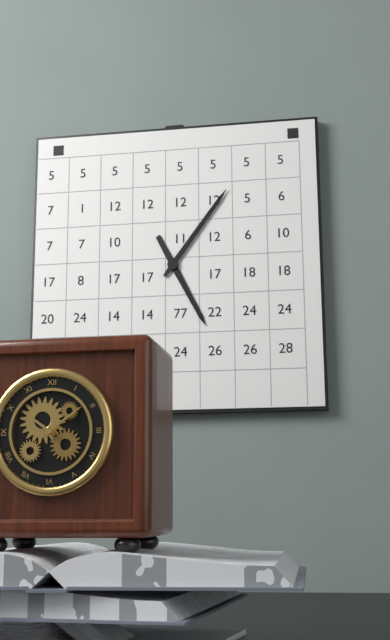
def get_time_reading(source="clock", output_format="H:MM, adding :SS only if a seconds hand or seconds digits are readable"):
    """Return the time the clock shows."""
5:06
